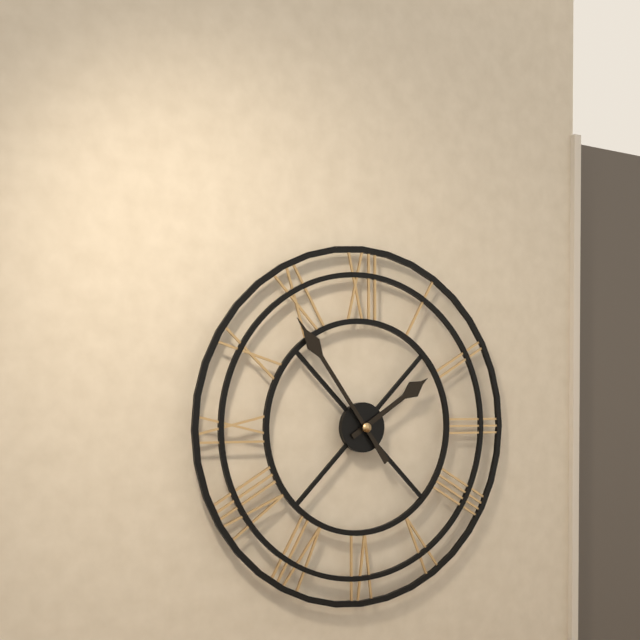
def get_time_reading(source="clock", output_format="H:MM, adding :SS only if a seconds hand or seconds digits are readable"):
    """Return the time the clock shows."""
1:54
